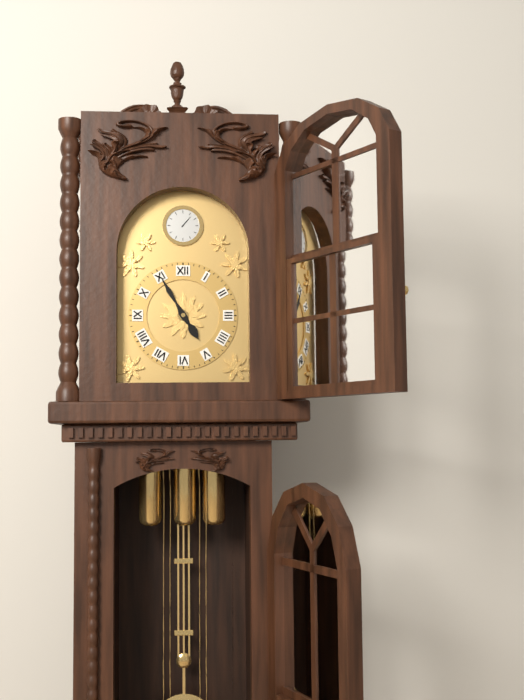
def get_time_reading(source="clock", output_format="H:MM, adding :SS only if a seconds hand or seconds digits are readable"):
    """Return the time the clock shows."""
4:55
